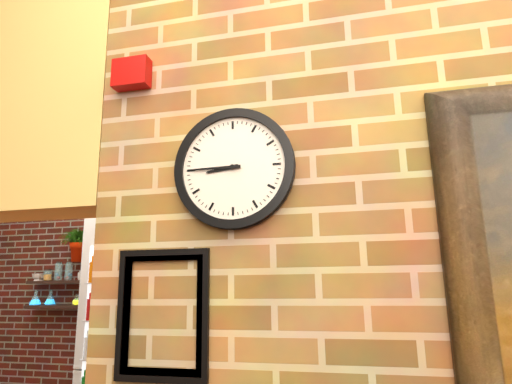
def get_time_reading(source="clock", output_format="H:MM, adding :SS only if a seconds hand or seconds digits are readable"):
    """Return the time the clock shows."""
8:45
